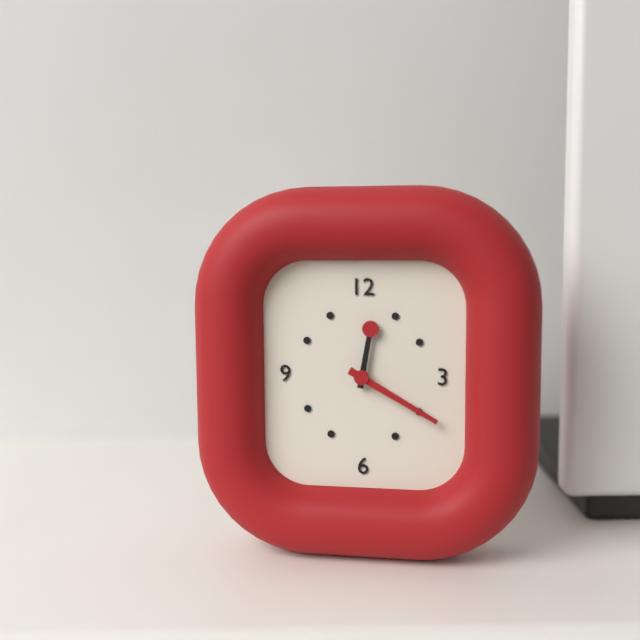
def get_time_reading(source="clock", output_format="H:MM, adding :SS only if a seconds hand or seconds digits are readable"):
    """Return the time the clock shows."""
12:20
